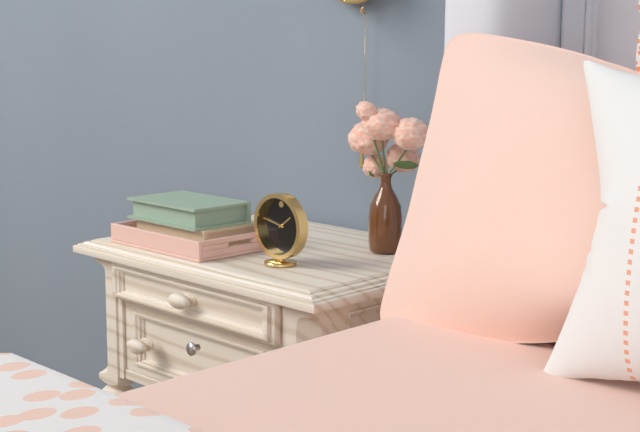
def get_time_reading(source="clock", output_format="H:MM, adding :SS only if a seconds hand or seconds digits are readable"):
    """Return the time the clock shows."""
1:47
